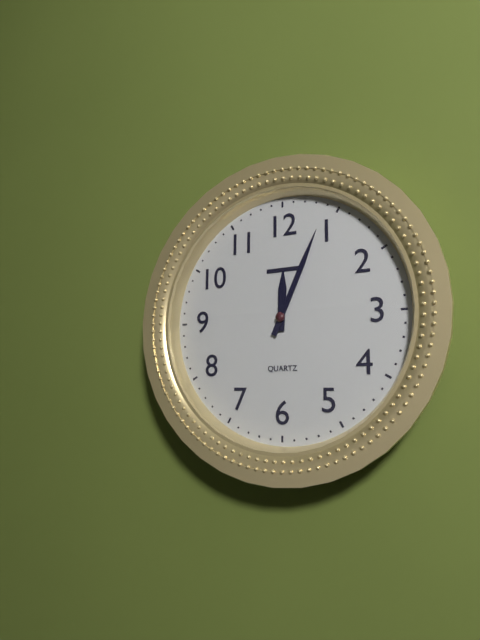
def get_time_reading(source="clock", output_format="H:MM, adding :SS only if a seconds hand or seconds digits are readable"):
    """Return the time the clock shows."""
12:04
